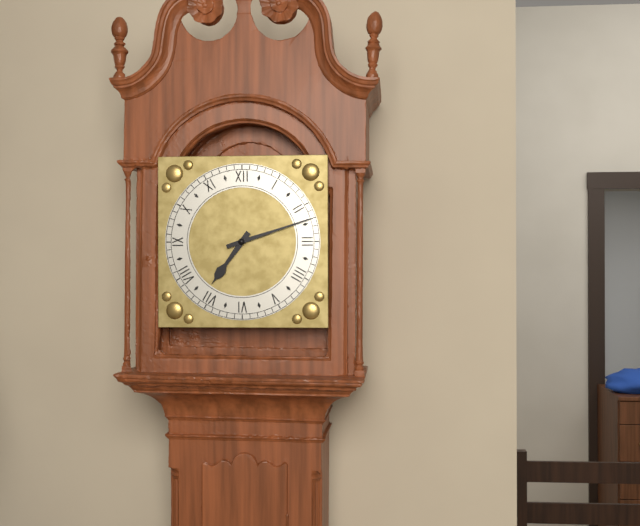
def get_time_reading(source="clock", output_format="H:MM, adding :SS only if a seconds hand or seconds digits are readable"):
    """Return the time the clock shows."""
7:12
